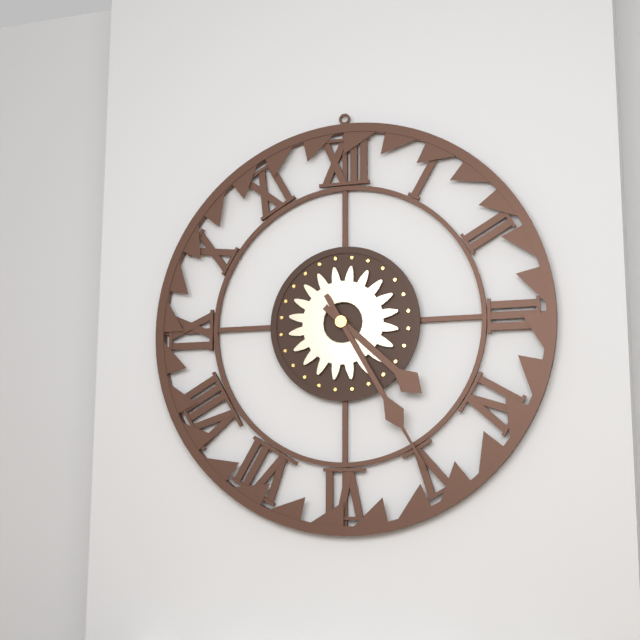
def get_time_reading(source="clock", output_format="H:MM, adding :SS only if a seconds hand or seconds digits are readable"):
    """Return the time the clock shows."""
4:25
